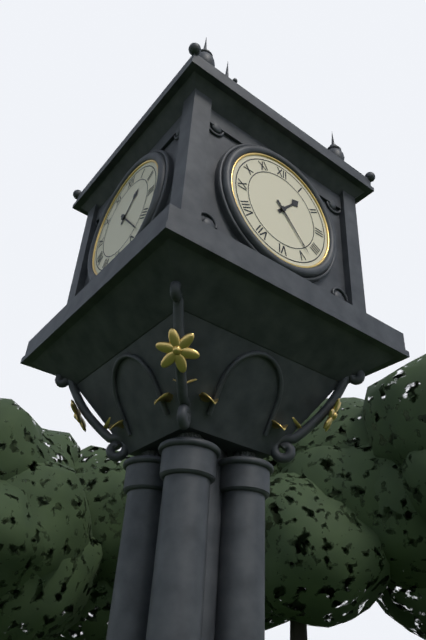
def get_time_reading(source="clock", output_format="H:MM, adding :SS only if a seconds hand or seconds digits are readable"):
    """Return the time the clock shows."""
1:23
